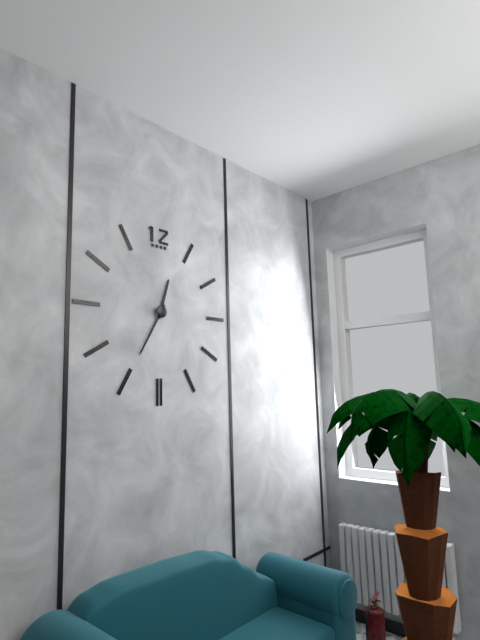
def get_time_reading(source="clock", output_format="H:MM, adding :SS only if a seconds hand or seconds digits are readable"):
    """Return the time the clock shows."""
12:35
